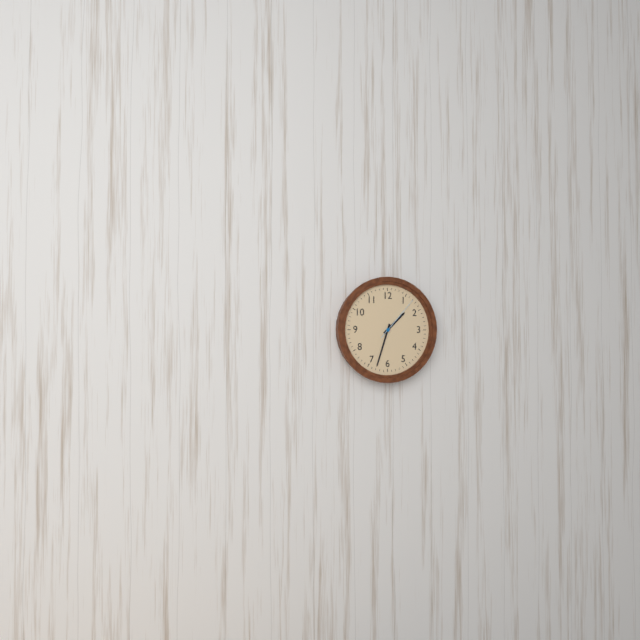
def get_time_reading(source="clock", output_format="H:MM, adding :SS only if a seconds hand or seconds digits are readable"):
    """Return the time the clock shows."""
1:33
